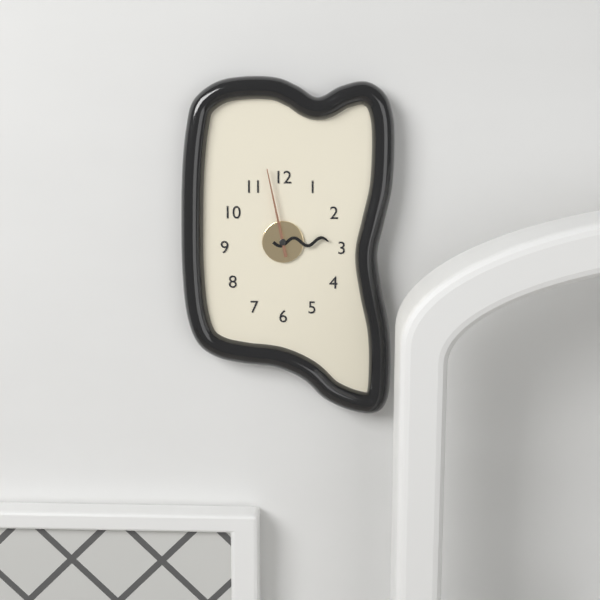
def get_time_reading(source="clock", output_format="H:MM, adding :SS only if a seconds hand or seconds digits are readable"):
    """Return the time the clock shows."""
2:58
